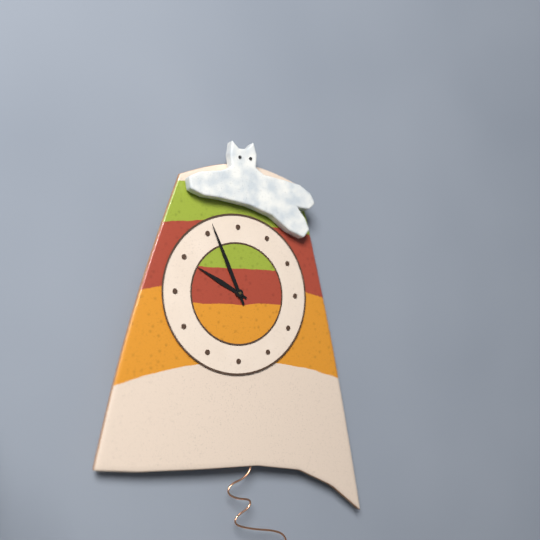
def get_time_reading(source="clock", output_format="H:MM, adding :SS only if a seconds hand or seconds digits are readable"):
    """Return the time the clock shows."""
9:56
